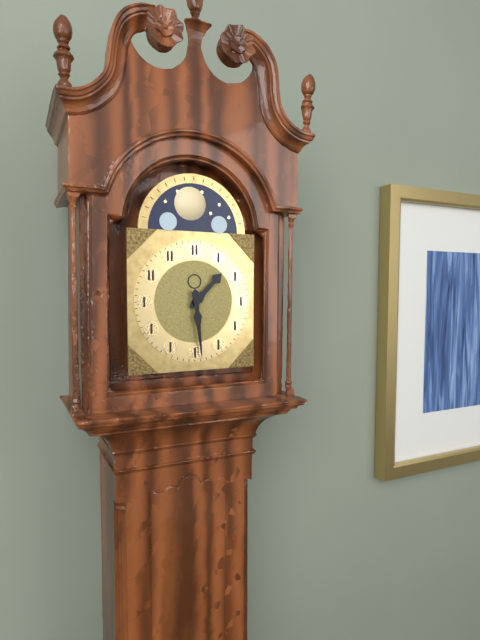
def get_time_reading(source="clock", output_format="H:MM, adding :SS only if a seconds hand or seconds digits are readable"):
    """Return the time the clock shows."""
1:29
